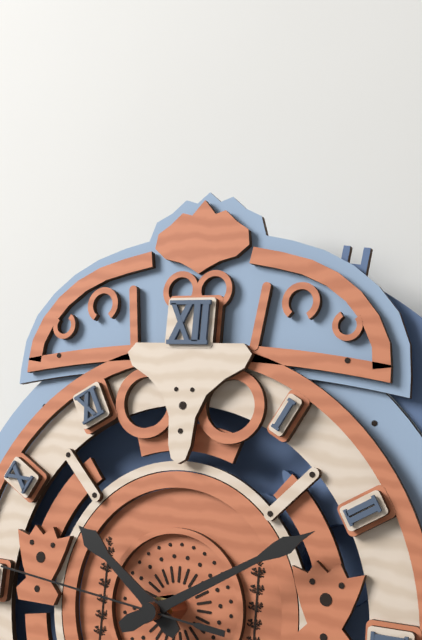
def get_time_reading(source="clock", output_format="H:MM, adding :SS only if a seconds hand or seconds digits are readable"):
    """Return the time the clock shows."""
10:10:46
